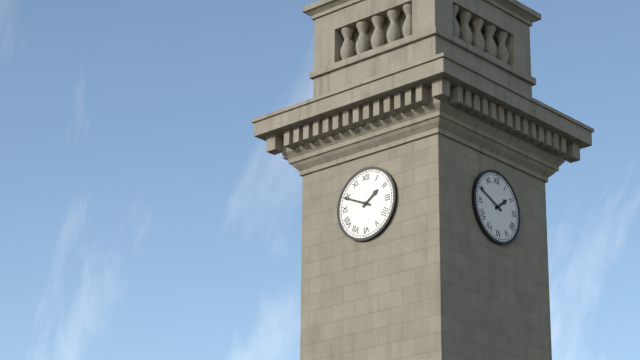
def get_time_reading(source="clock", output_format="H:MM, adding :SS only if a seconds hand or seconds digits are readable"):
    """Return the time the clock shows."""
1:49
